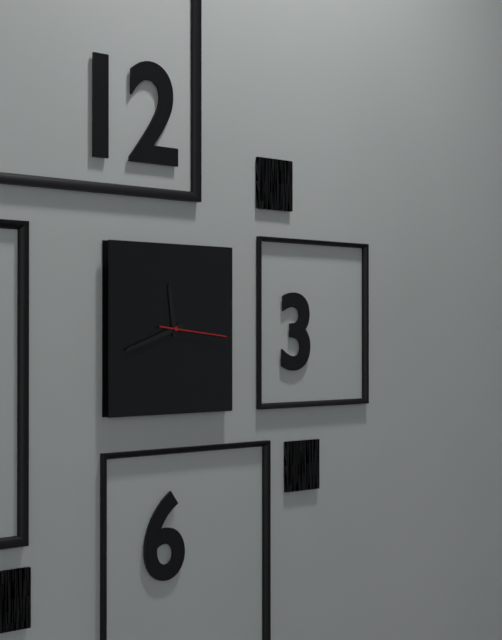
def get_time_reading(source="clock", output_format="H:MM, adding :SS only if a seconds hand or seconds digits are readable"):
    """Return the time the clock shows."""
11:42:16
